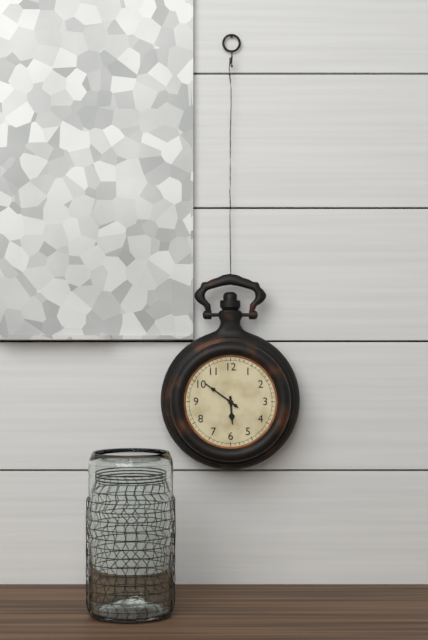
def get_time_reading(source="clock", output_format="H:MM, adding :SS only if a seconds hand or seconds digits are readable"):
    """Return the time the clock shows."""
5:51
